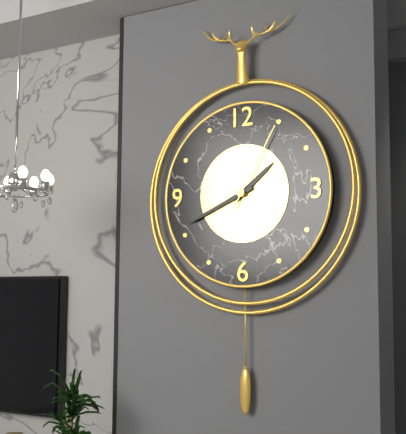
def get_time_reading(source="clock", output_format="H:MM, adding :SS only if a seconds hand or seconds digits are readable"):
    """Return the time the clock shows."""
1:41:05
